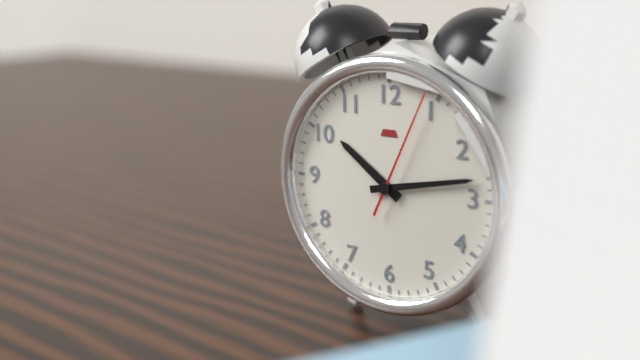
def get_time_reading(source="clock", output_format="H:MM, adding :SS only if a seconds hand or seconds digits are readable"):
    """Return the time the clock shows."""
10:13:04
